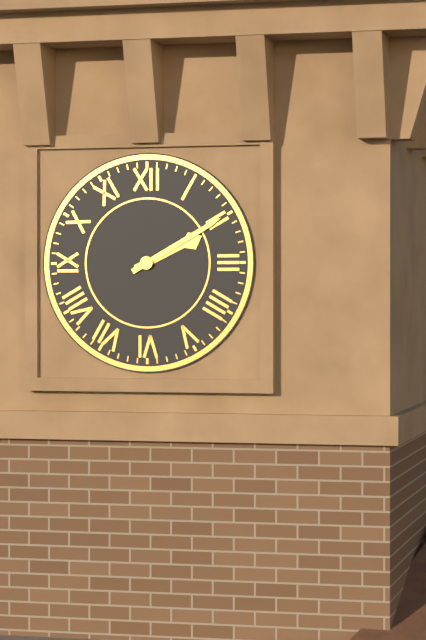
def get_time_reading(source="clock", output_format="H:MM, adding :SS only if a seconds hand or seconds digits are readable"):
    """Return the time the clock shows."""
2:10
